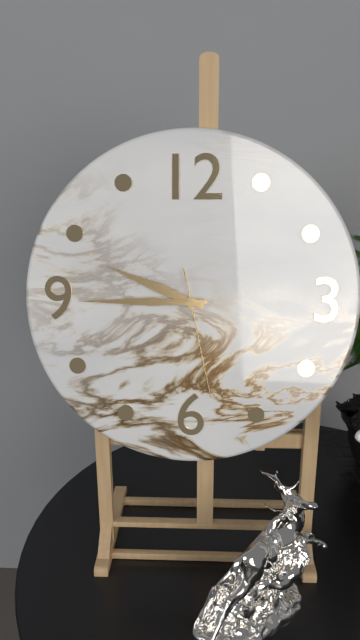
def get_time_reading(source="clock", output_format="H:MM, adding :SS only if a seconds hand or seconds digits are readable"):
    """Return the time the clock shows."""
9:45:28
